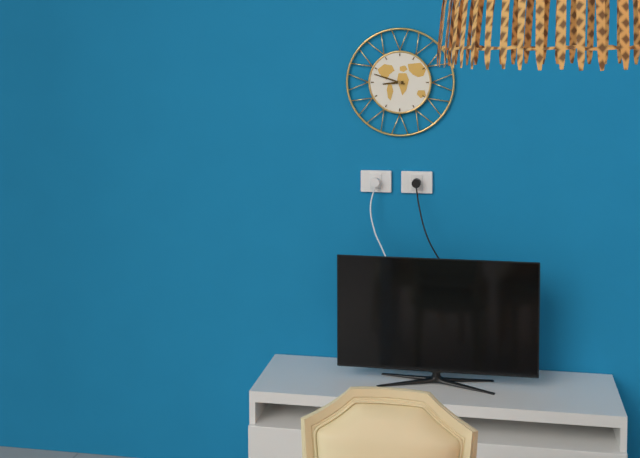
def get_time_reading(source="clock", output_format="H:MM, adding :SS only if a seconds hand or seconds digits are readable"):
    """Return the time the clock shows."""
8:48
